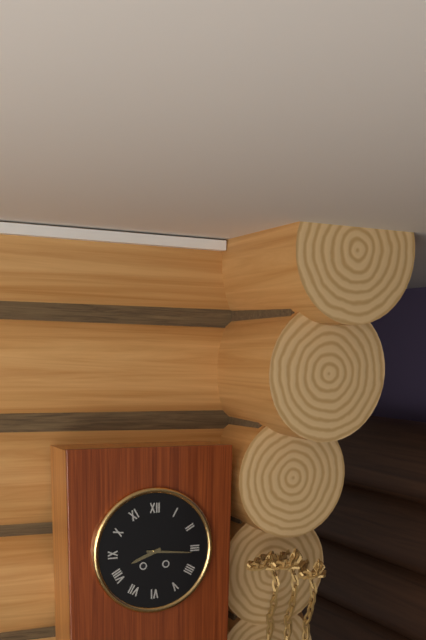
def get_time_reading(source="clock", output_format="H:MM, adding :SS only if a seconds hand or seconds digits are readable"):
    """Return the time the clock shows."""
8:16
